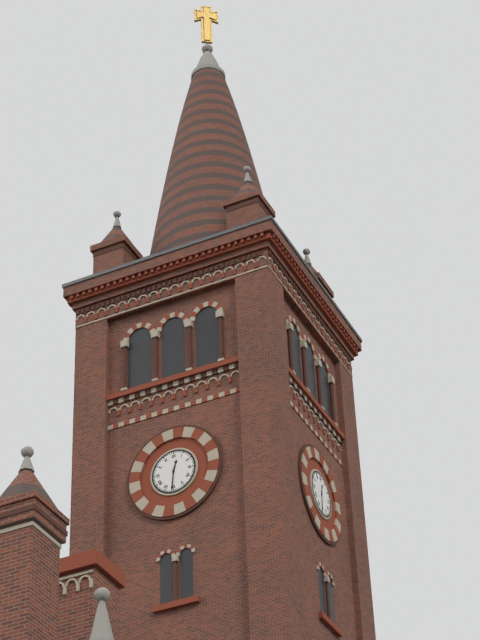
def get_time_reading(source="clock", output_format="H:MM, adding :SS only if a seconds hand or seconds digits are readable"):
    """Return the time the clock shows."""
12:31
